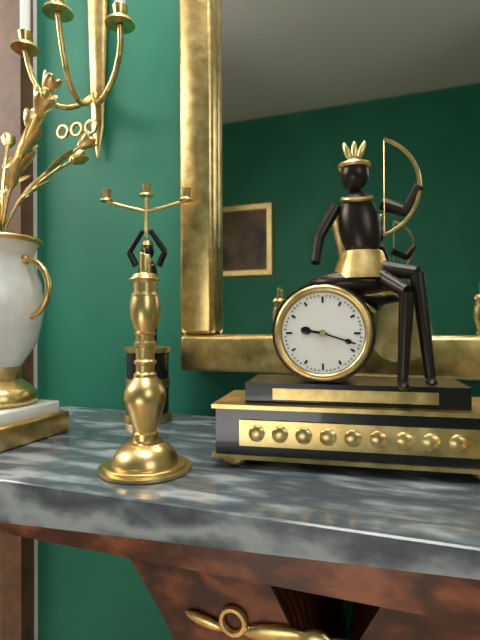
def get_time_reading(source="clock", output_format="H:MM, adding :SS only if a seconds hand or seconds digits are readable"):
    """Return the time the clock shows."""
9:18
